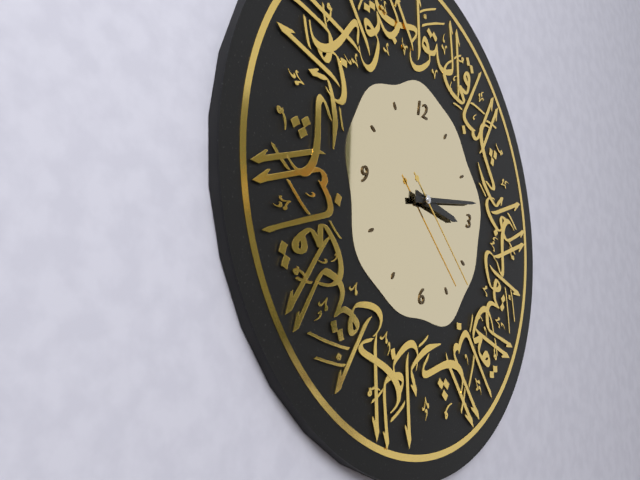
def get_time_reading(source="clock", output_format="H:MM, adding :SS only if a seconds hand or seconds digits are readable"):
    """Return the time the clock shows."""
3:13:22
